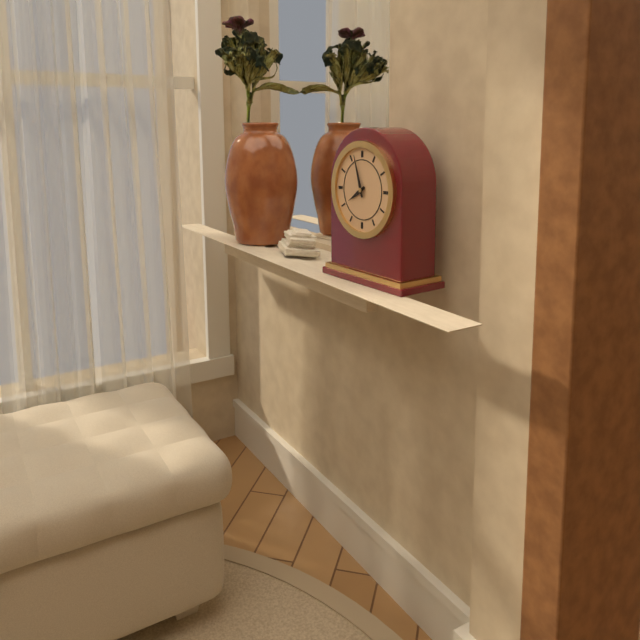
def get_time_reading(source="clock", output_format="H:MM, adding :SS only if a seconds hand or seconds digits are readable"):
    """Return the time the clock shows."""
7:57
